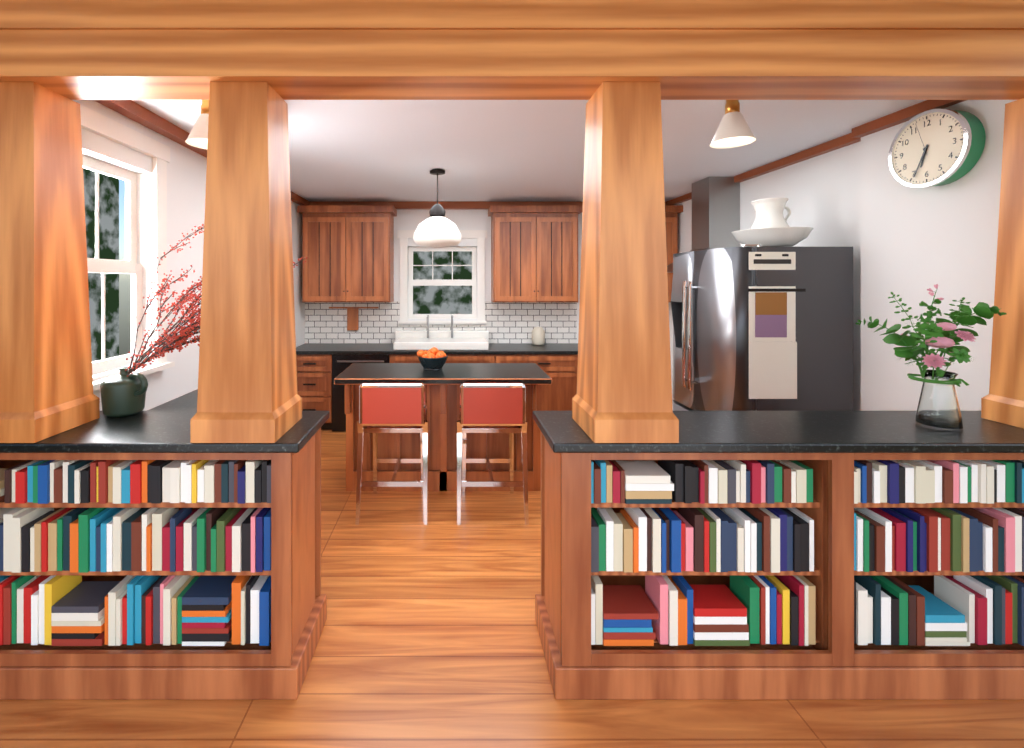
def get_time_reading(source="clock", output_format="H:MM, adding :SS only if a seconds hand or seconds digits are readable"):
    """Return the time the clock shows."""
6:34
